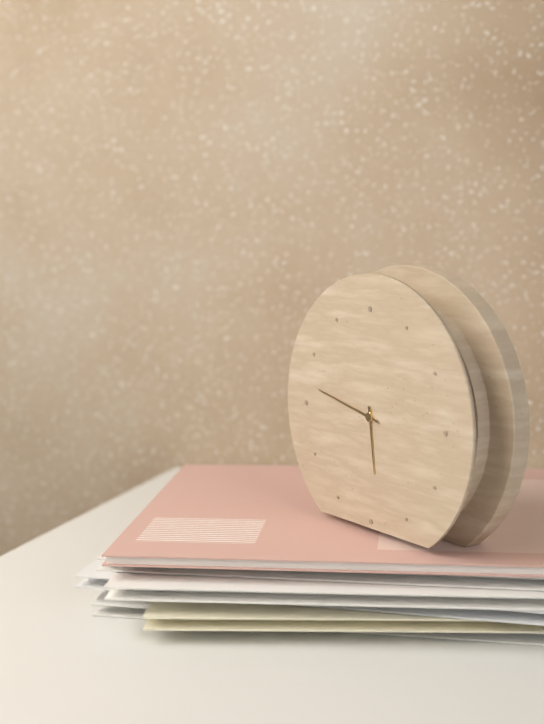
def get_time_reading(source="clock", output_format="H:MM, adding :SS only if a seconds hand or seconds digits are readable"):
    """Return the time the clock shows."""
5:47
